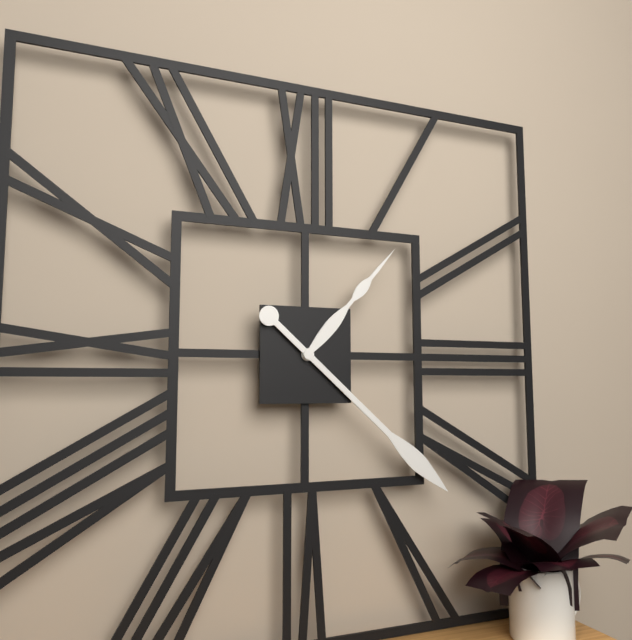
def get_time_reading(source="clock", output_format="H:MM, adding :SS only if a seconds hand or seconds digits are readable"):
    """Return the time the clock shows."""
1:22
